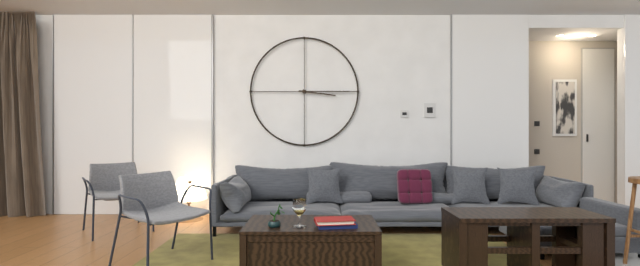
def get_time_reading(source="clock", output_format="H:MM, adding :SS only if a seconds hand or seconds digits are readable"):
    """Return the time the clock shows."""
3:15
